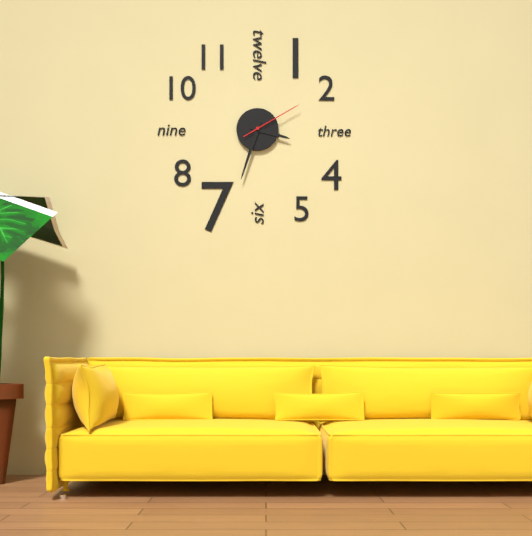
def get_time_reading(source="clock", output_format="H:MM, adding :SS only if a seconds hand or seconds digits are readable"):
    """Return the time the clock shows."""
3:33:10
